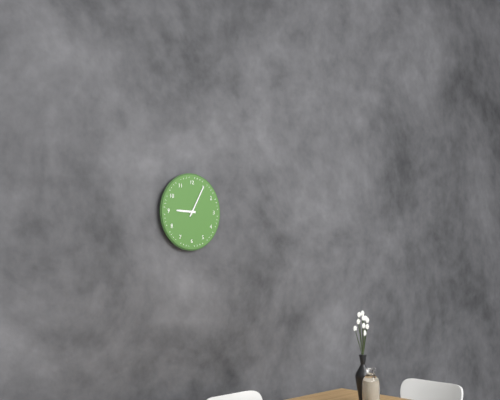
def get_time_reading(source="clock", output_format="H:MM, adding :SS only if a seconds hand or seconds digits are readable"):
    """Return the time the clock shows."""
9:05
